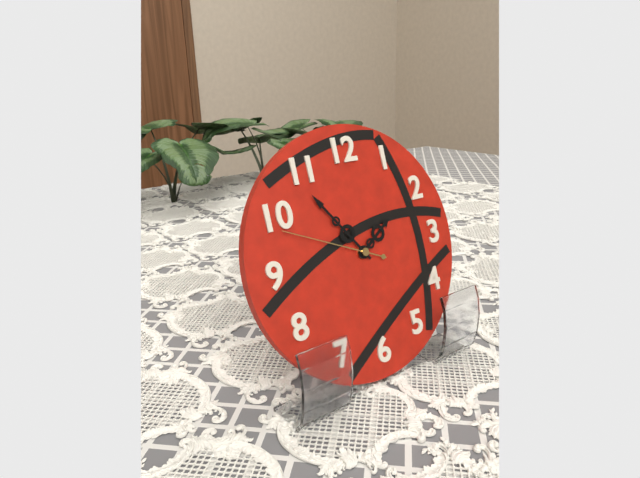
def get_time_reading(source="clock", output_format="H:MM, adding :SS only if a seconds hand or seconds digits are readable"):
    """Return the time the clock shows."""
1:54:49
